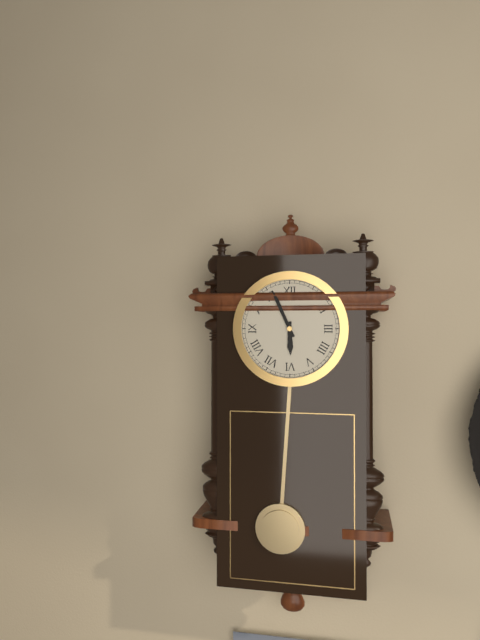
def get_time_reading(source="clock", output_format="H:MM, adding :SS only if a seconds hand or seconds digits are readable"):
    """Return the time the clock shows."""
5:56
